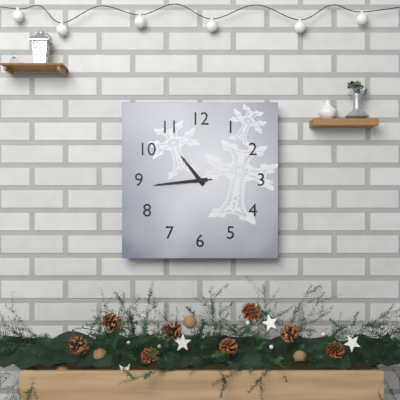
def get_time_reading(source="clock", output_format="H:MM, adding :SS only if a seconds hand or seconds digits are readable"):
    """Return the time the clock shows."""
10:44:44
